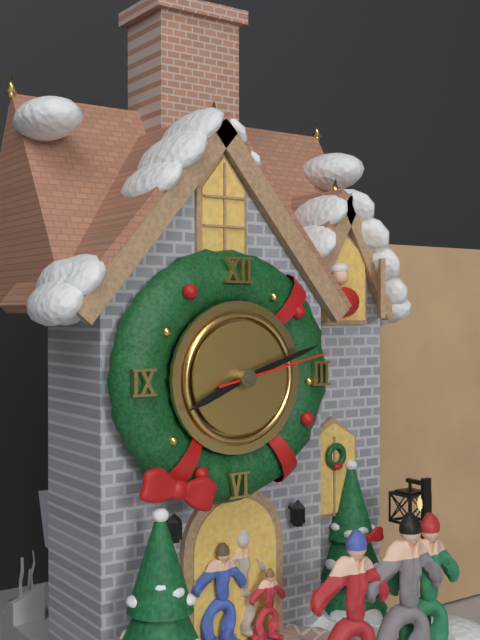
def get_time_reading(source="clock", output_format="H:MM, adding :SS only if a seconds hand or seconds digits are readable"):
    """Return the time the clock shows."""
8:12:13
